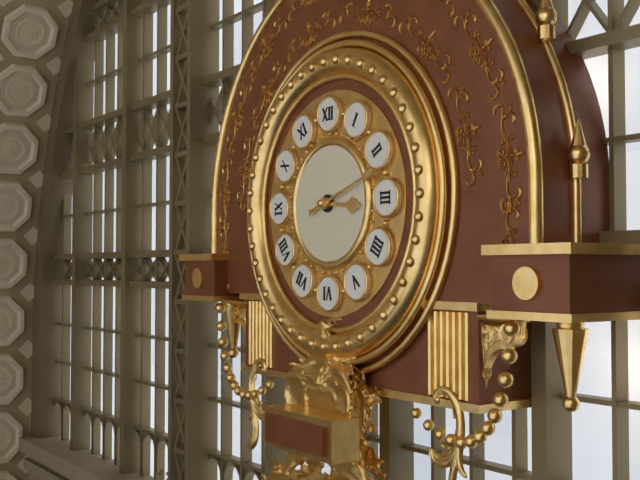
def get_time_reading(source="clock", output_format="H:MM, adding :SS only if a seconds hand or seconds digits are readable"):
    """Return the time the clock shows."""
3:12
